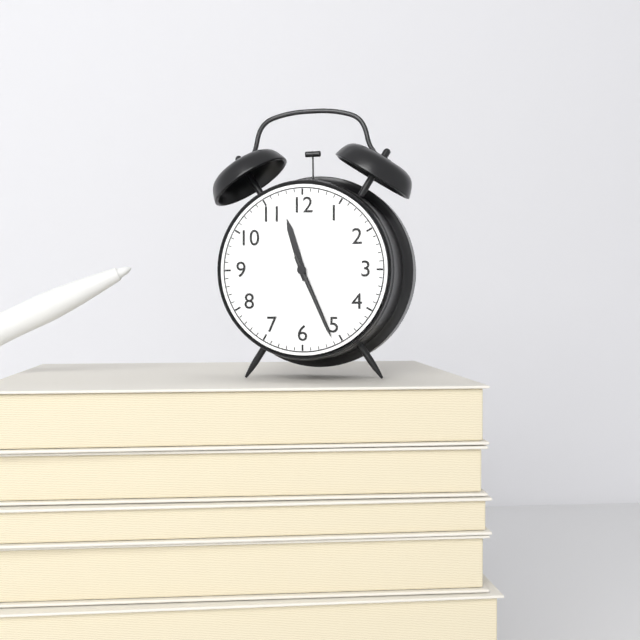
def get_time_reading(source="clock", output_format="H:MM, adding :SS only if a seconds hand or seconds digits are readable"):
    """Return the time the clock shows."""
11:26:26
